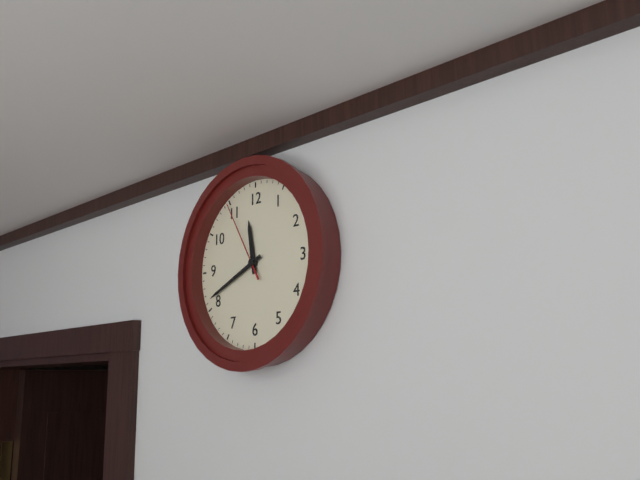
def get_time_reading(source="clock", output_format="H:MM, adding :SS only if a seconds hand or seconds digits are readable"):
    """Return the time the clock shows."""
11:41:55
